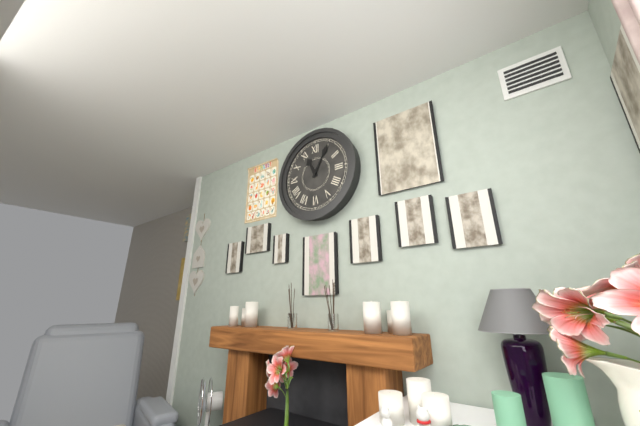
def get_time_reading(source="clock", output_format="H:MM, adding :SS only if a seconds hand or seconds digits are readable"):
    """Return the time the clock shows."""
11:05
